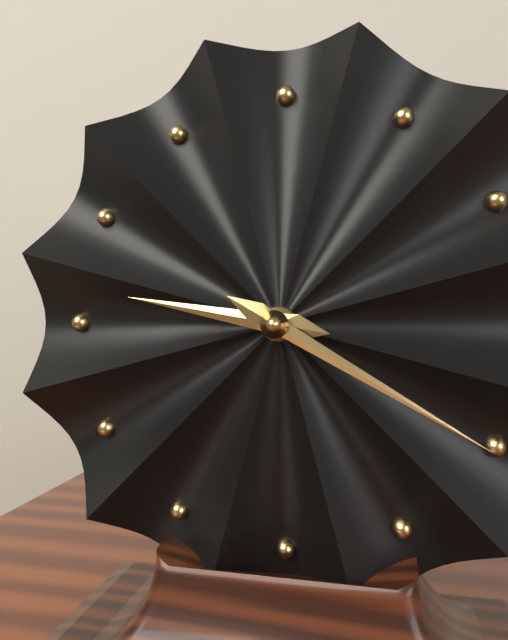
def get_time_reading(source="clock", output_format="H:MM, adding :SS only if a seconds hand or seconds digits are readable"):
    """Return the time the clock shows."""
9:20
